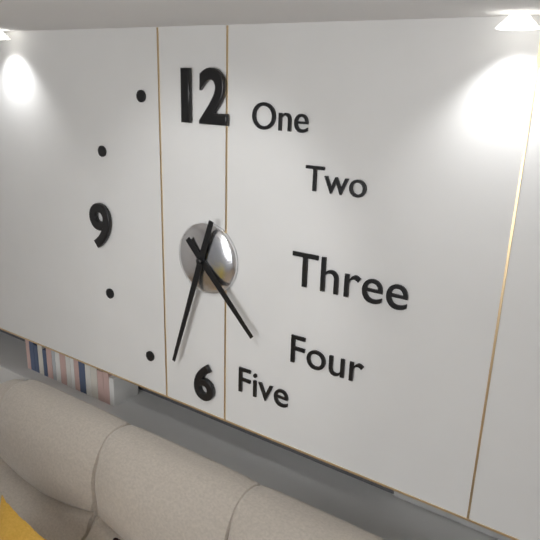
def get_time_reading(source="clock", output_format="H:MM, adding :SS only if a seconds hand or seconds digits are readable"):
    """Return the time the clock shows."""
4:33
